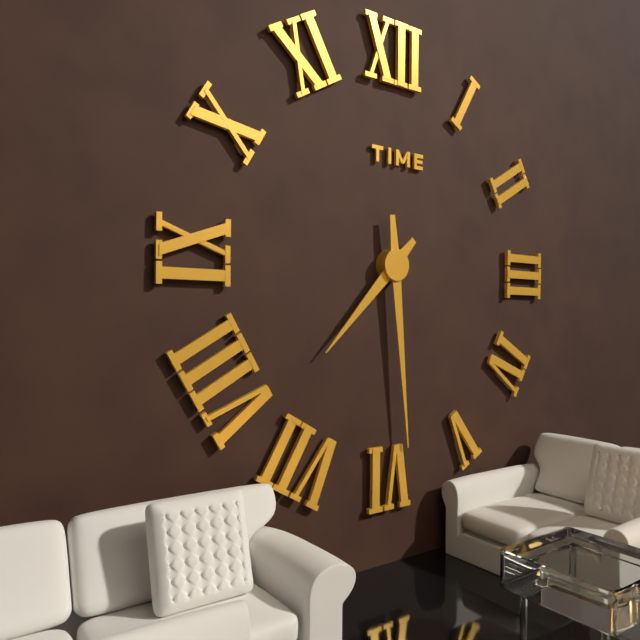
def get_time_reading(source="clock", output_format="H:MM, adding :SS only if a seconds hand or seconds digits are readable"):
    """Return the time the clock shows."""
7:29
